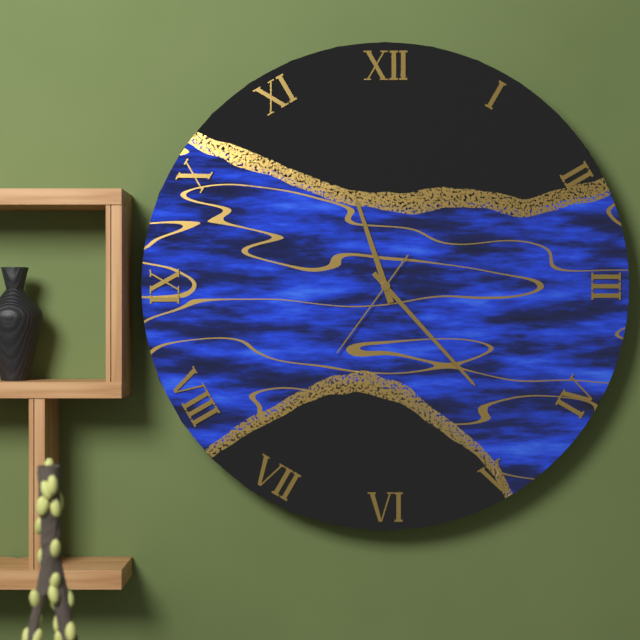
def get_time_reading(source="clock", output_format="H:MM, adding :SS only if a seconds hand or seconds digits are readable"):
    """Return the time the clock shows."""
11:23:36
